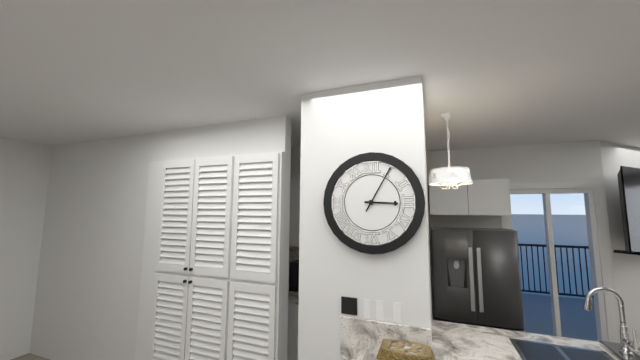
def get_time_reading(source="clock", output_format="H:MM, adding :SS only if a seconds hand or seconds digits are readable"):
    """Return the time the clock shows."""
3:05
